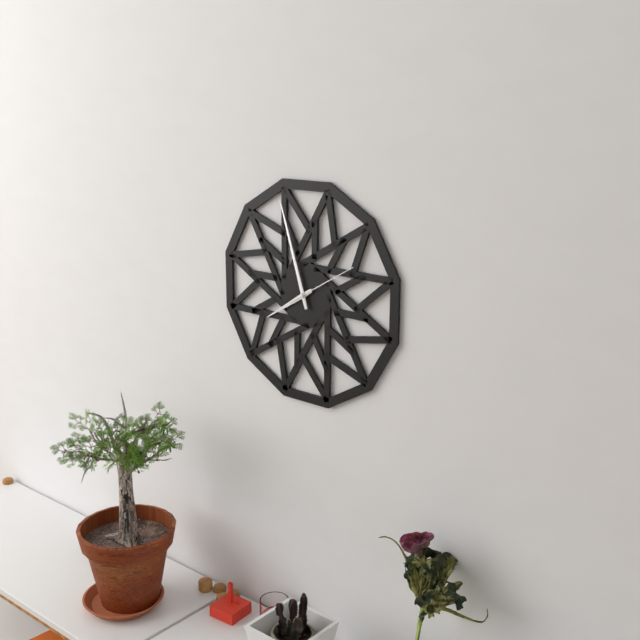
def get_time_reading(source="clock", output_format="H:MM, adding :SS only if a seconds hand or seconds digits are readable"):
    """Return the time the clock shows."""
7:57:10
